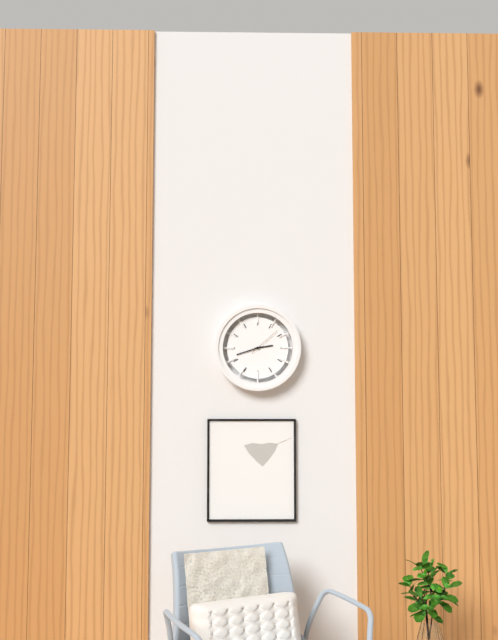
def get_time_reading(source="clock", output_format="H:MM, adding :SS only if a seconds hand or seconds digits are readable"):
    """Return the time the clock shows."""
2:42
